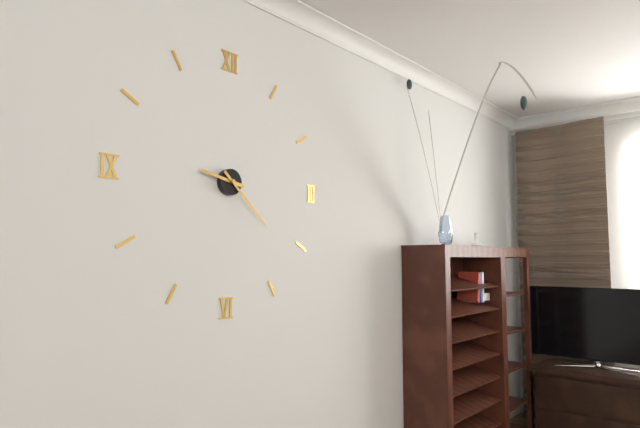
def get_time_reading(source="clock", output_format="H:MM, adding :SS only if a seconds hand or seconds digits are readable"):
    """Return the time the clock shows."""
9:22
